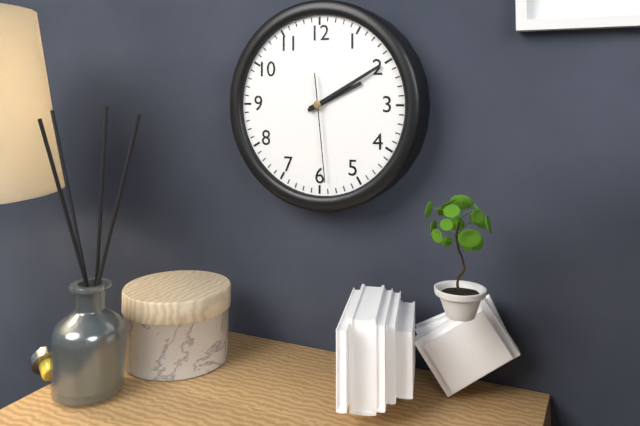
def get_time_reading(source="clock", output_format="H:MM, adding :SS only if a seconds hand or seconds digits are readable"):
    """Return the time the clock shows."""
2:10:29
